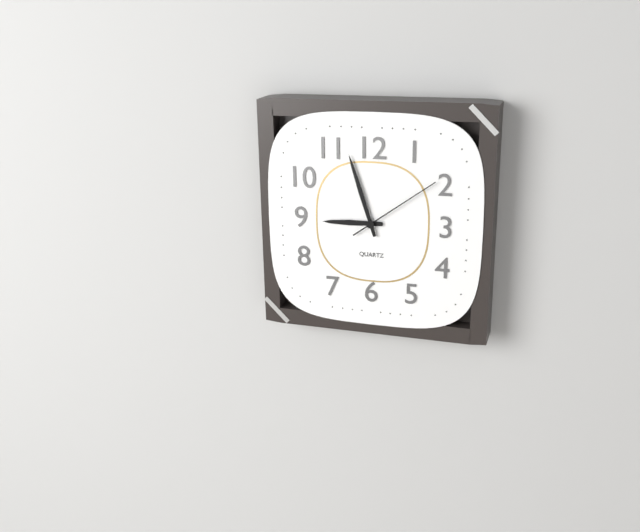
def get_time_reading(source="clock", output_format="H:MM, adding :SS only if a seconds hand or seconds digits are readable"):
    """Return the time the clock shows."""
8:57:09
